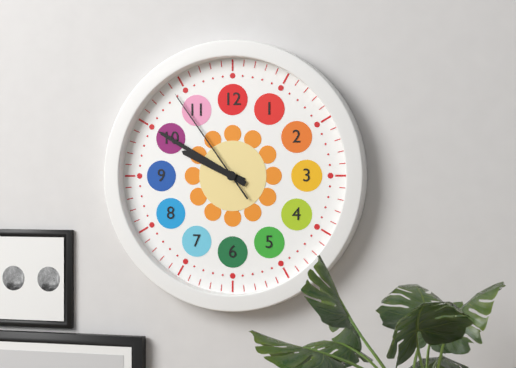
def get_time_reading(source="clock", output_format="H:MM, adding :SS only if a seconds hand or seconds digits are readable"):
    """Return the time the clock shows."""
9:50:54
